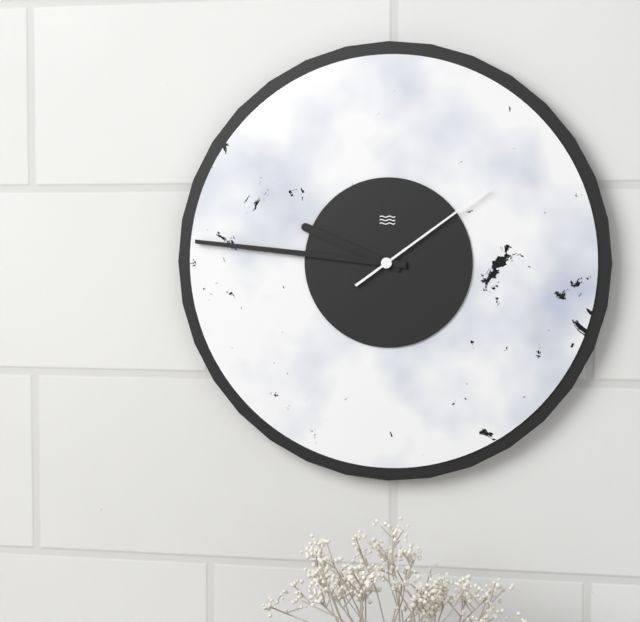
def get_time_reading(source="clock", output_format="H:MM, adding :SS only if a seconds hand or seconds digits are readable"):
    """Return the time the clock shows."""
9:46:09
